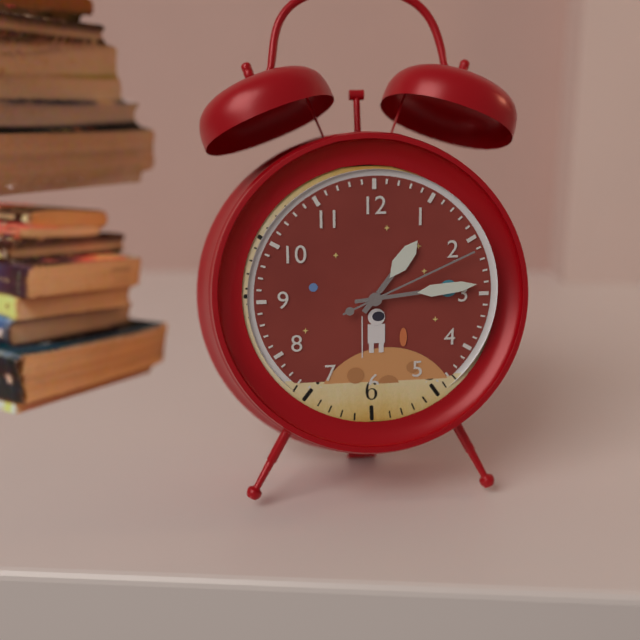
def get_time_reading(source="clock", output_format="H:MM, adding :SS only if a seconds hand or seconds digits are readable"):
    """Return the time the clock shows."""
1:14:11
